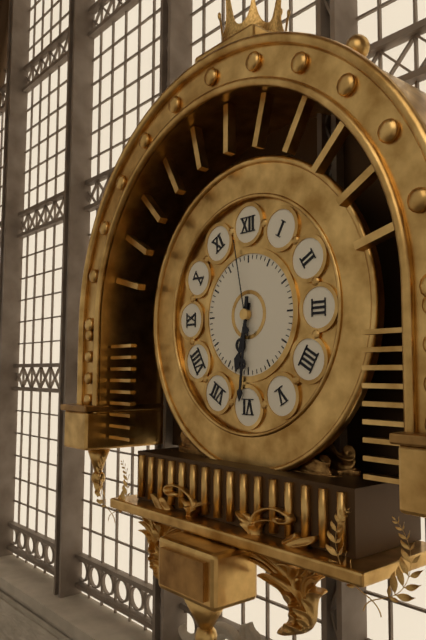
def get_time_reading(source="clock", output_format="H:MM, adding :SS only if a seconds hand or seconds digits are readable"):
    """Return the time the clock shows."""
6:31:58
